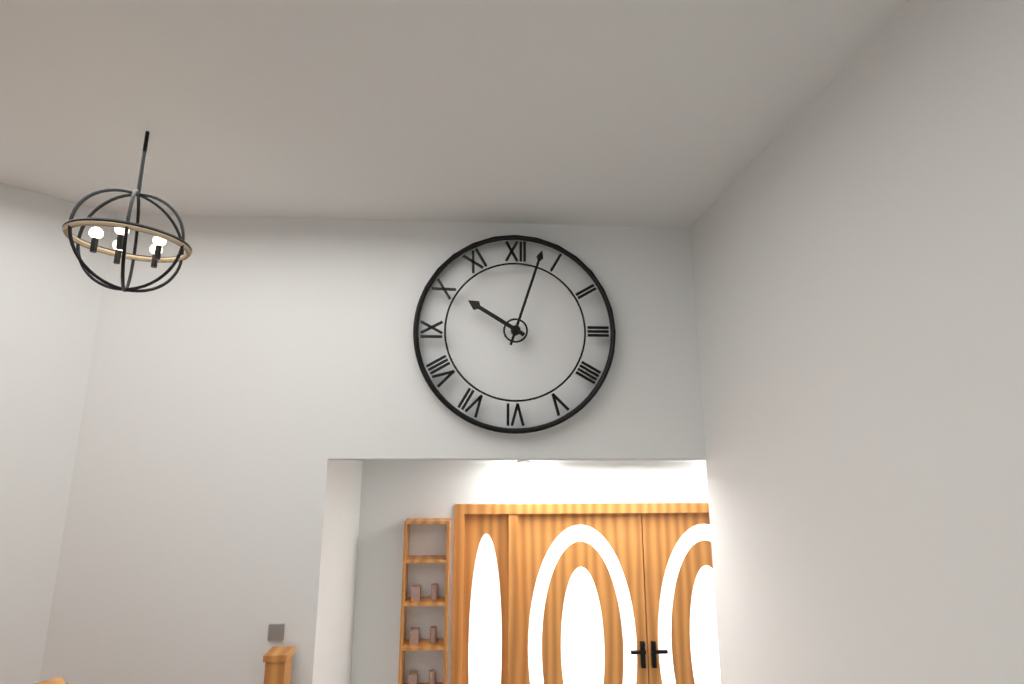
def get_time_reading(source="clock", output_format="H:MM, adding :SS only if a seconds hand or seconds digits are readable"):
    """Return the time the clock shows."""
10:03
